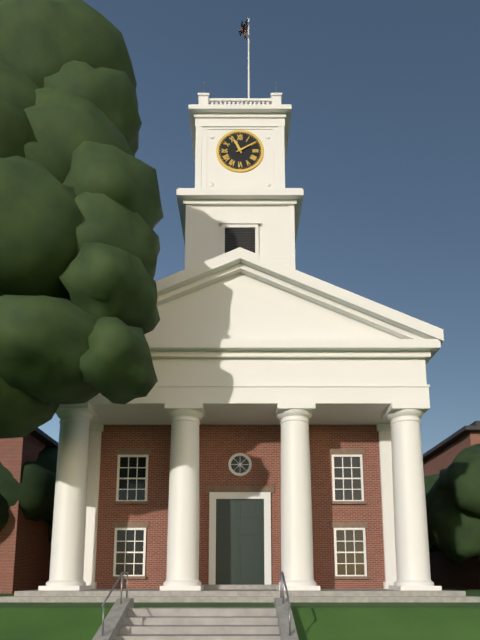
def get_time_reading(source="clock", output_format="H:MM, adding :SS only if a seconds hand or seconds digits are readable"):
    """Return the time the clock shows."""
11:10
